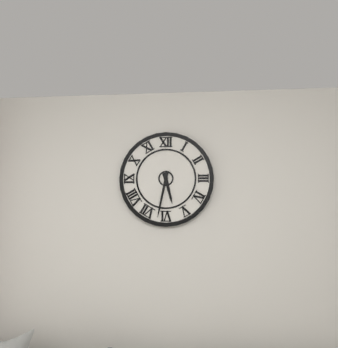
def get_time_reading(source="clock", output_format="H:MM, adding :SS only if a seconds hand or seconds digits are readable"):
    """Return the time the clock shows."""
5:32
